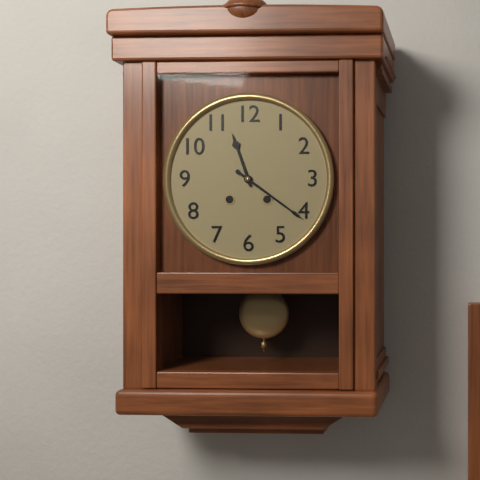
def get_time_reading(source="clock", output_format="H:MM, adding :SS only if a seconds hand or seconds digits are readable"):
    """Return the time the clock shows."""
11:21
